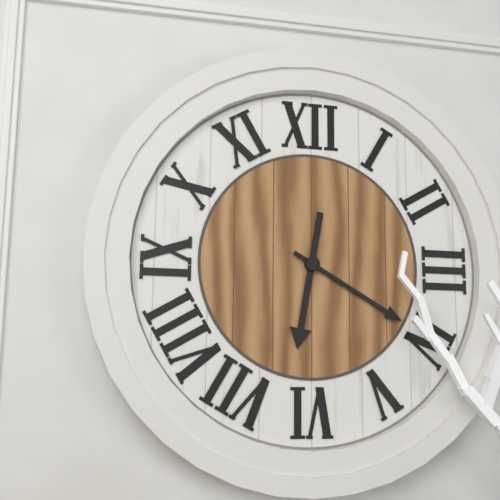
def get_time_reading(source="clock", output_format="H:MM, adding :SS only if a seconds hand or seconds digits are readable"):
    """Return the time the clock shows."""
6:20
